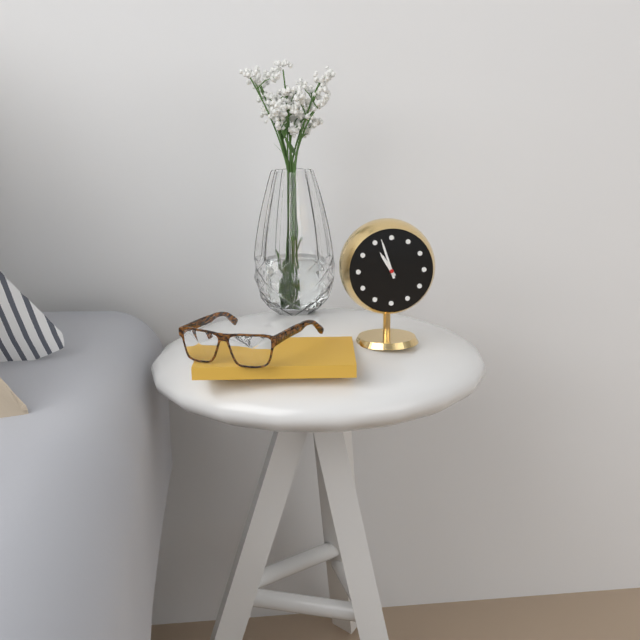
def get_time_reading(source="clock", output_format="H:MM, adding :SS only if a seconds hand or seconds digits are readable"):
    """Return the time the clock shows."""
10:57
